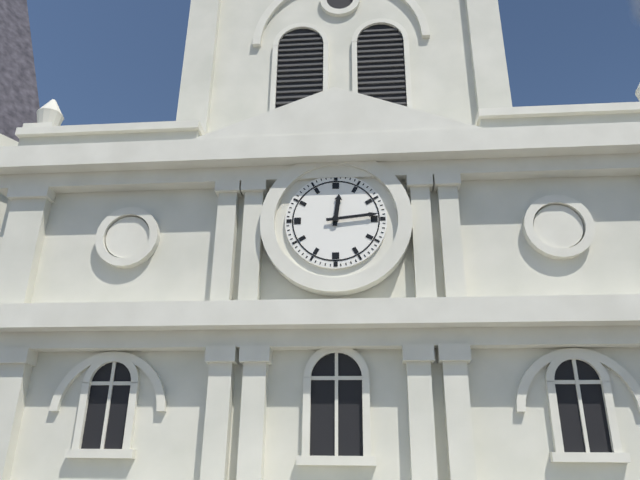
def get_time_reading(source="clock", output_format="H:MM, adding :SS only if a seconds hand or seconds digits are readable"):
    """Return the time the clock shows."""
12:14
